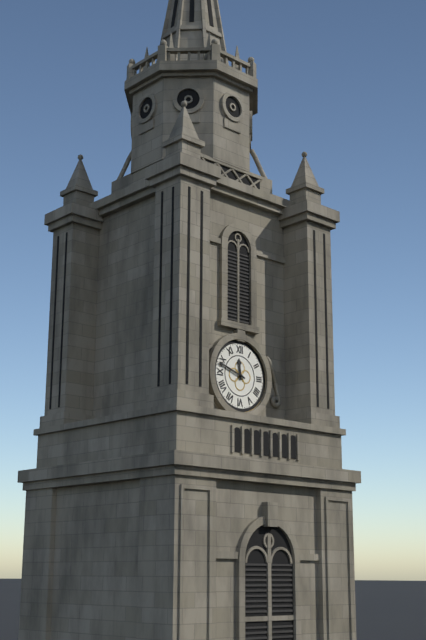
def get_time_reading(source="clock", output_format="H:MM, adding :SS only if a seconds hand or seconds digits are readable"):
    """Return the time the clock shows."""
11:48
